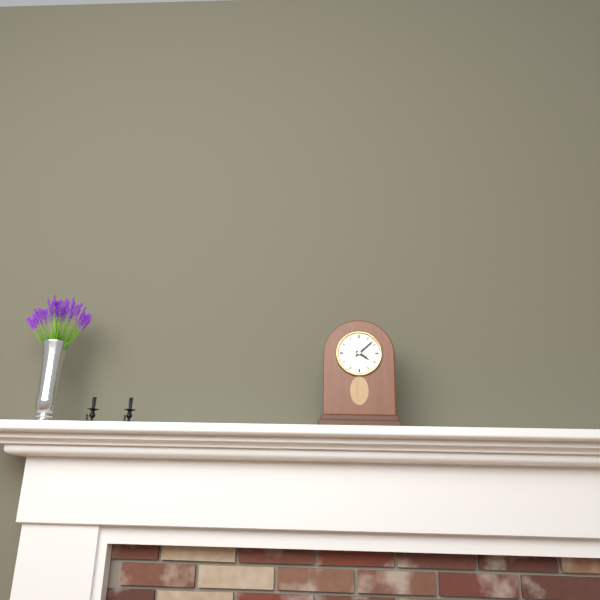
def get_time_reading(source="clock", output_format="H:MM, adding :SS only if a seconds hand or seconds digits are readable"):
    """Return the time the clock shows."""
4:08
